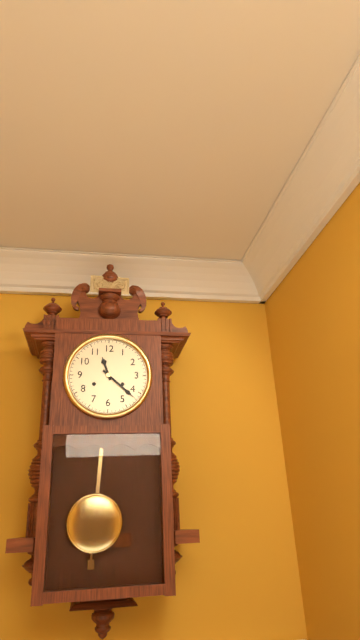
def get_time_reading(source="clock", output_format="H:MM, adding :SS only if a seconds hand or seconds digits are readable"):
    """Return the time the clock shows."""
11:22
